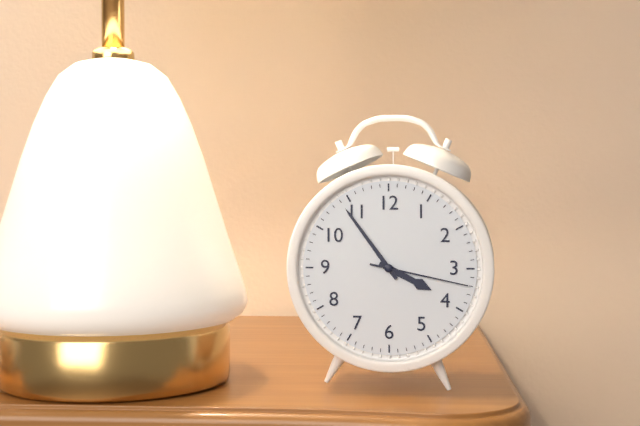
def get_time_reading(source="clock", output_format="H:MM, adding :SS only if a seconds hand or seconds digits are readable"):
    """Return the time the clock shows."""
3:54:17
